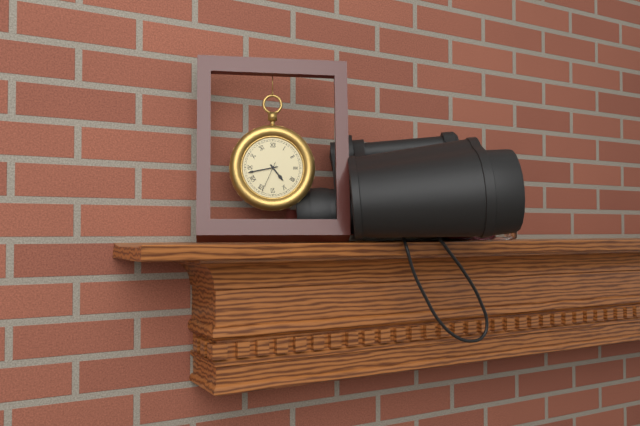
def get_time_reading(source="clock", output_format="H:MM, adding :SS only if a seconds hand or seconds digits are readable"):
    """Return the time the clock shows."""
4:43
